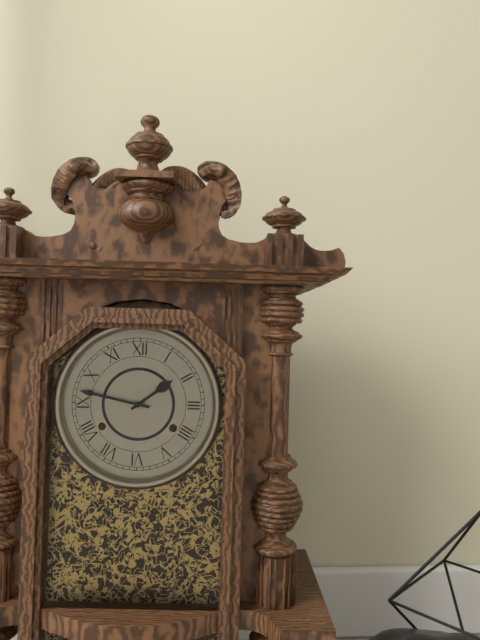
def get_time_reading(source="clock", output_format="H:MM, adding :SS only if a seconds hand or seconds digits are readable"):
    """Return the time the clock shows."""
1:47
